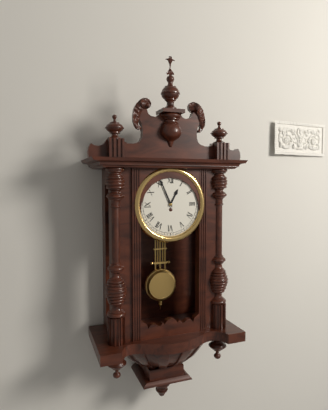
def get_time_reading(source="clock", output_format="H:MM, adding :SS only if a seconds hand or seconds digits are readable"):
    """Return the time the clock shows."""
12:56
